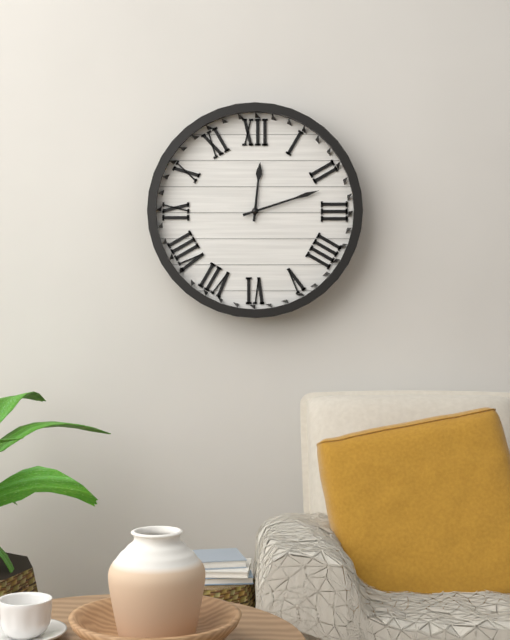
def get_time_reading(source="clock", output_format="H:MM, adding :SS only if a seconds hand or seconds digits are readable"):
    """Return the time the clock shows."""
12:12
